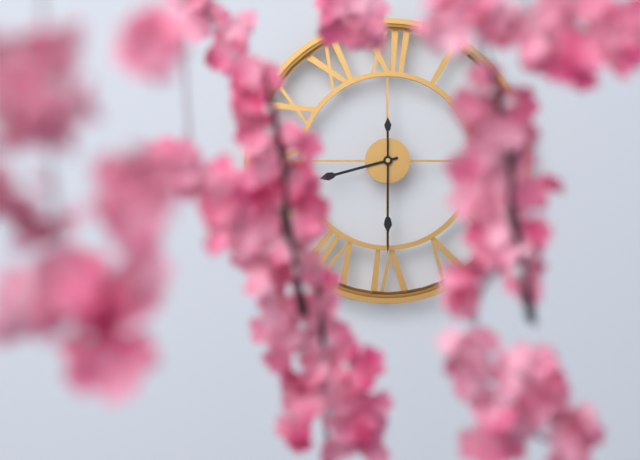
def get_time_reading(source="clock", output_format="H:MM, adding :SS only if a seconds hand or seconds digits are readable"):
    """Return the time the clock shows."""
8:30
